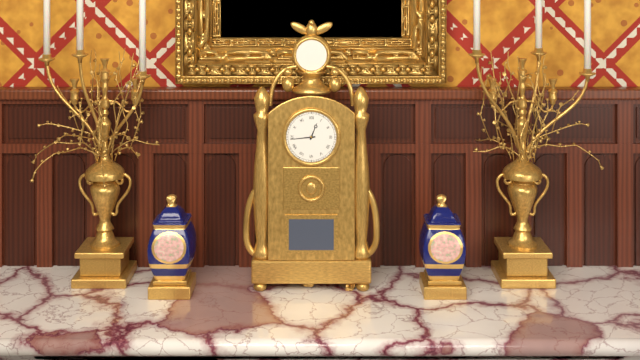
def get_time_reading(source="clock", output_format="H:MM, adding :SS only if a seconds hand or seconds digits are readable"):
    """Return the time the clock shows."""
12:44
